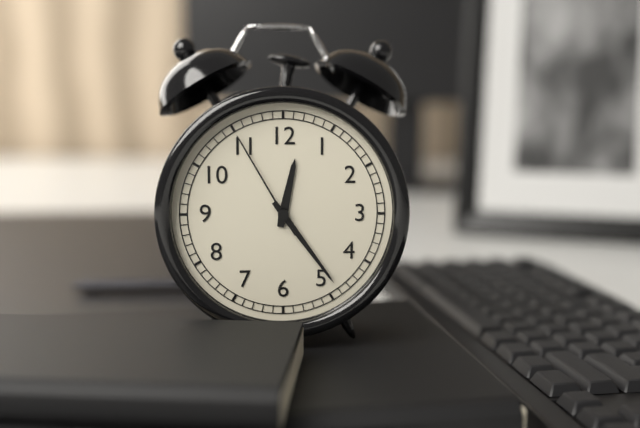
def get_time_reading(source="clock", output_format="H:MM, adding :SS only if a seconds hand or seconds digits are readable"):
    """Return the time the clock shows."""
12:24:55
